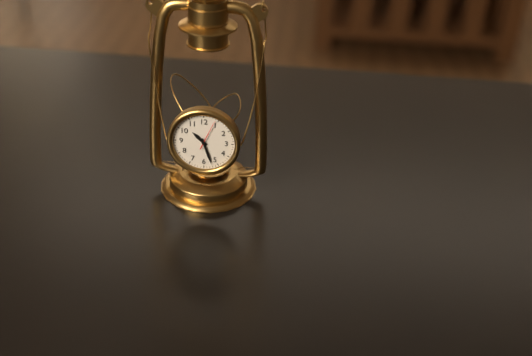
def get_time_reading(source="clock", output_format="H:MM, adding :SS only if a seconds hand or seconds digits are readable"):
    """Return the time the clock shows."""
10:27
